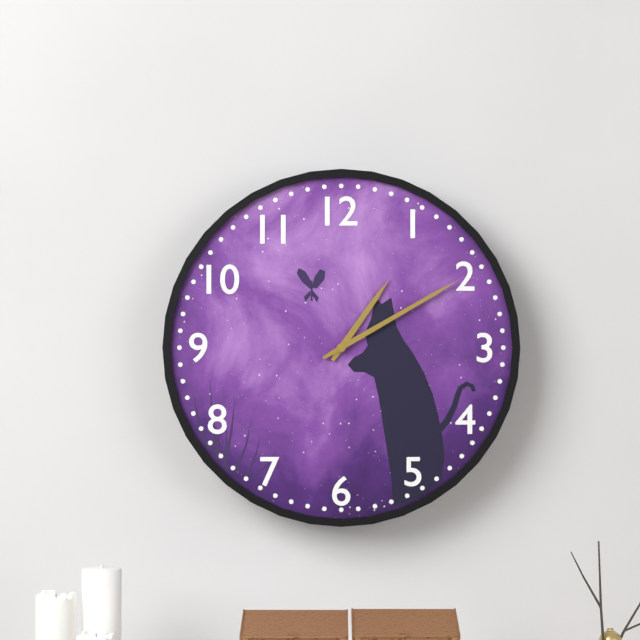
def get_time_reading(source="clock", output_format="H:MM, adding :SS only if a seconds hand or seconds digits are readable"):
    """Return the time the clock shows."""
1:10
